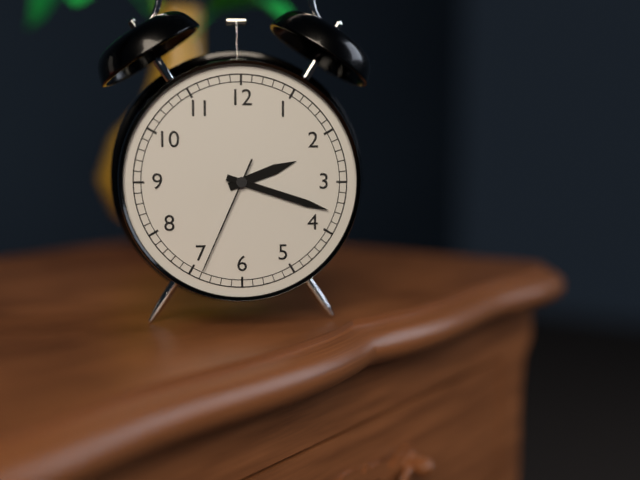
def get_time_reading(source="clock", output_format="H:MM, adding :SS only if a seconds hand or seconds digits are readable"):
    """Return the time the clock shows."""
2:18:34
